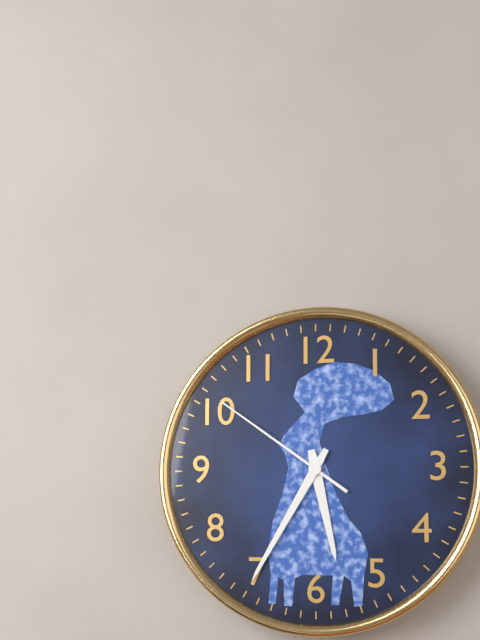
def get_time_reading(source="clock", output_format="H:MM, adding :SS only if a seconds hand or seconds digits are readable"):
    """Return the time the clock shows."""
5:35:51
